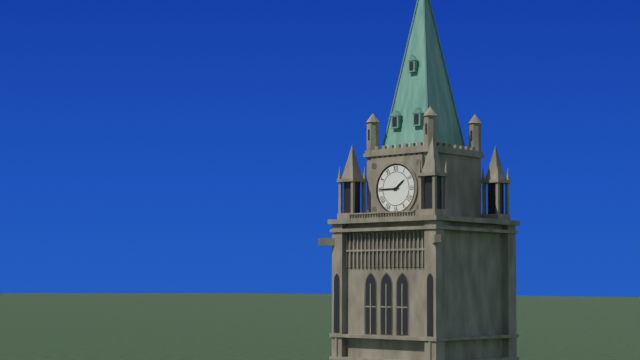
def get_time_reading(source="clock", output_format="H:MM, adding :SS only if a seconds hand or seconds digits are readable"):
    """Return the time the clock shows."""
1:45
